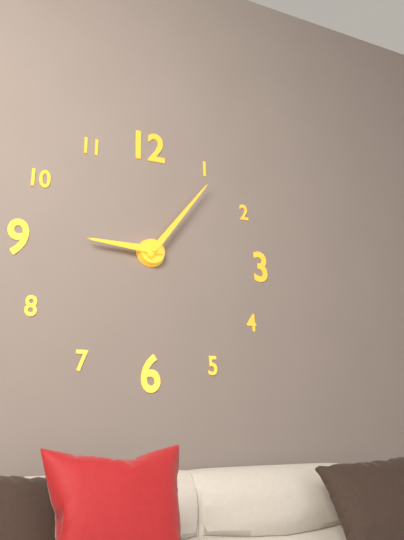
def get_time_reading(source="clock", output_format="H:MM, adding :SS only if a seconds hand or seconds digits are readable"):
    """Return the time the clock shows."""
9:06
